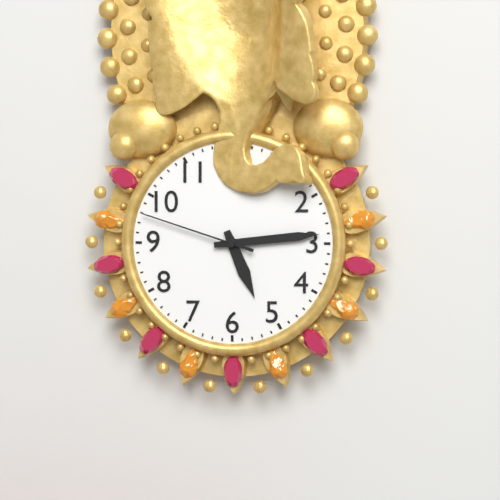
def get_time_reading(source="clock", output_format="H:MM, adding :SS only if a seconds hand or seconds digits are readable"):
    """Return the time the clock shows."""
5:14:48
